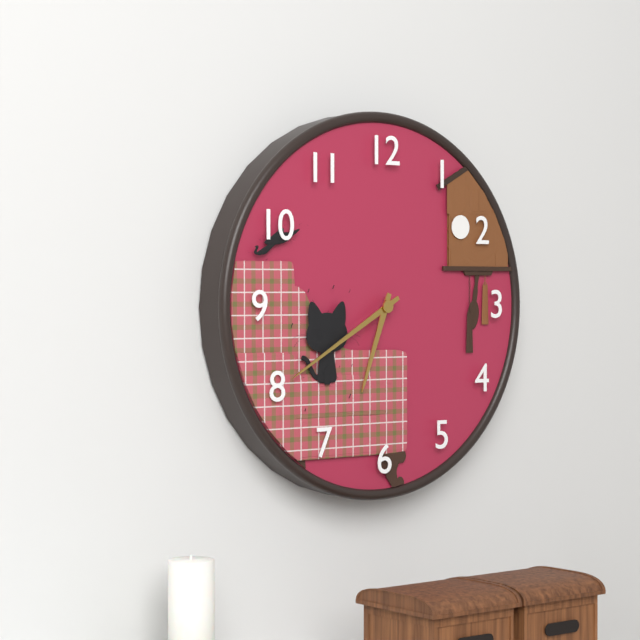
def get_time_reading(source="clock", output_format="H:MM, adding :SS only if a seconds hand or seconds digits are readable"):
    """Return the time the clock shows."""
6:40
